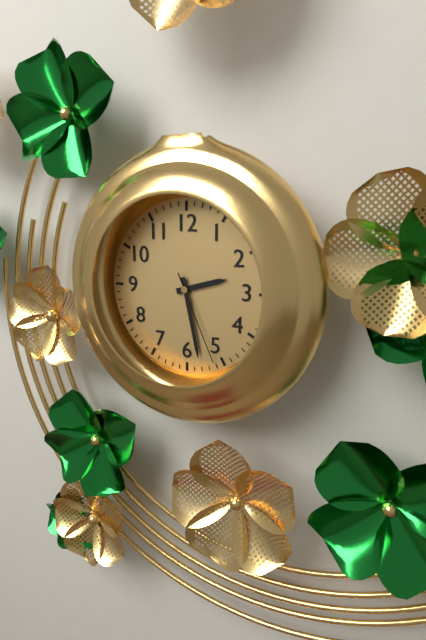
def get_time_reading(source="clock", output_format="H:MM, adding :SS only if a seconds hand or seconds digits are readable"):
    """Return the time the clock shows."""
2:28:26
